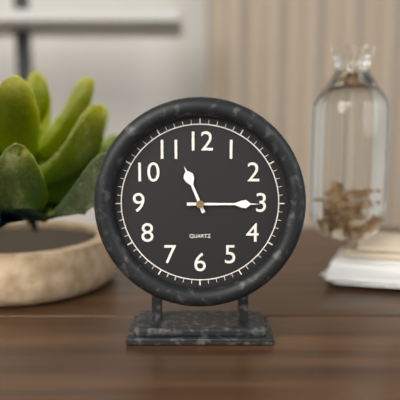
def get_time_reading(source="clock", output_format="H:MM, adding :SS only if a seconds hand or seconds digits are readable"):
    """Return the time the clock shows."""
11:15
